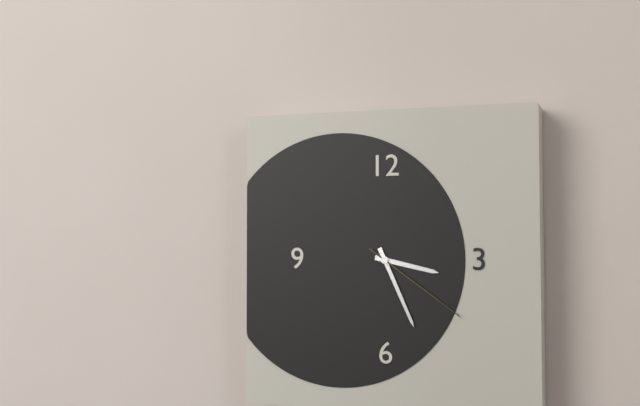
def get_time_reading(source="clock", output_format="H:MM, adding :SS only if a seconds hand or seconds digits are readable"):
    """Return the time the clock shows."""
3:26:21
